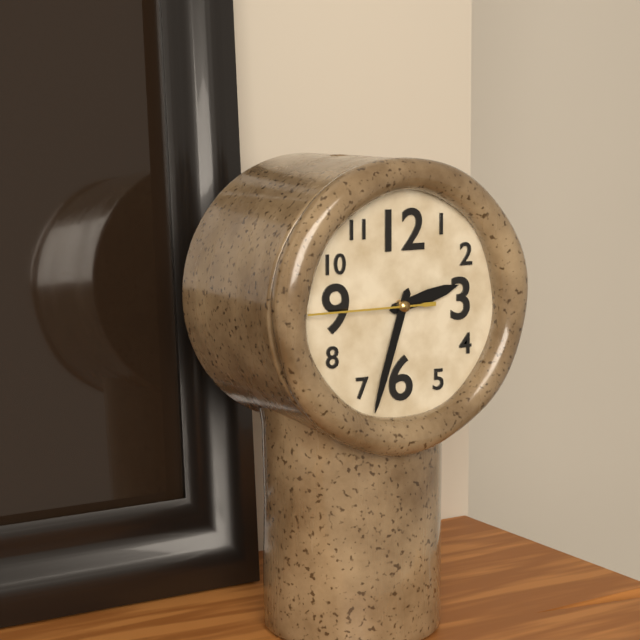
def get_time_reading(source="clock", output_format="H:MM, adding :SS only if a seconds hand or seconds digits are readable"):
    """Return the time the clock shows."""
2:33:45
